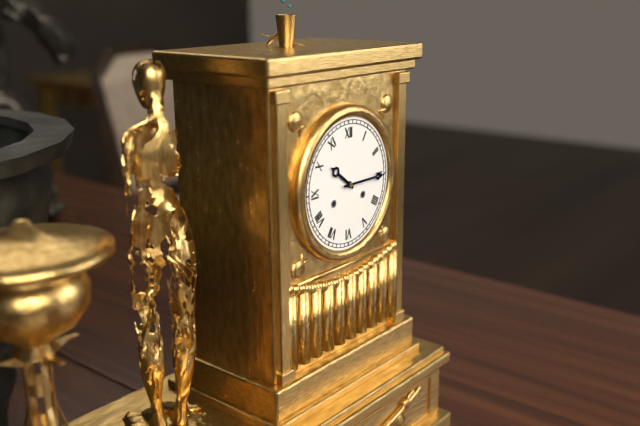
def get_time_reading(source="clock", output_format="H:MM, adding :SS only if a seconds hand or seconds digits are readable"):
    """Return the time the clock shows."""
10:15
